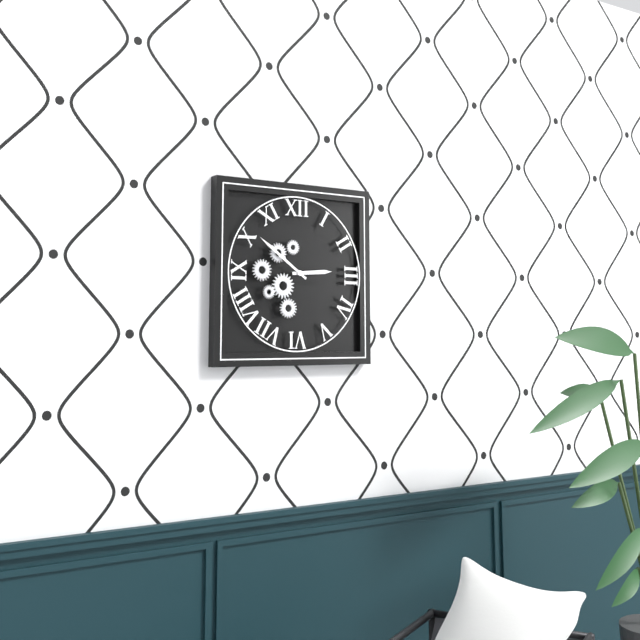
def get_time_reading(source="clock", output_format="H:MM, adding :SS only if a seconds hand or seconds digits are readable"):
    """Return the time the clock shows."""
2:51
